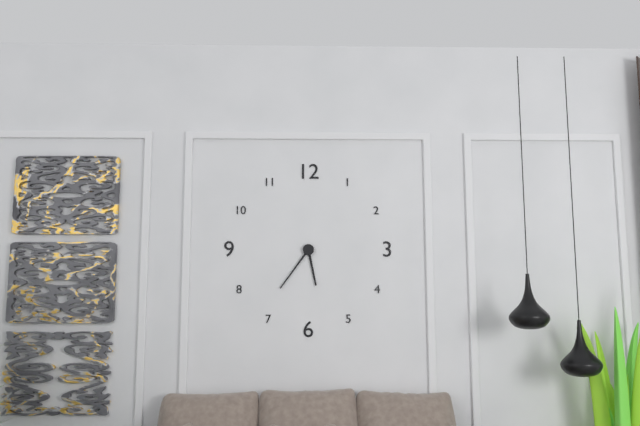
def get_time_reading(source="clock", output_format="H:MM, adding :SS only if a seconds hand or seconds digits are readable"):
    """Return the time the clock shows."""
5:36
